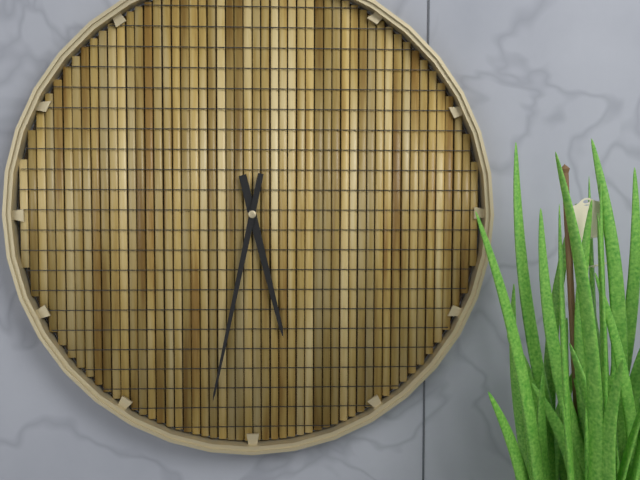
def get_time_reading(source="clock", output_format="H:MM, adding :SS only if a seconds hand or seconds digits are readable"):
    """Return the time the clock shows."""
5:32
